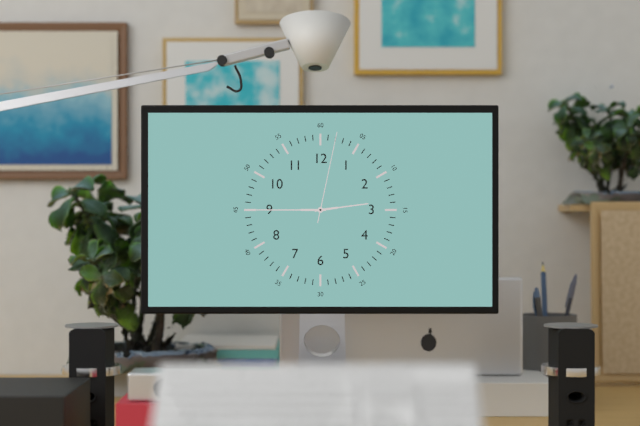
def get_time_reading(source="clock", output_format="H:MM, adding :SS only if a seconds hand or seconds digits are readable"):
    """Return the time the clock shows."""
2:45:02
